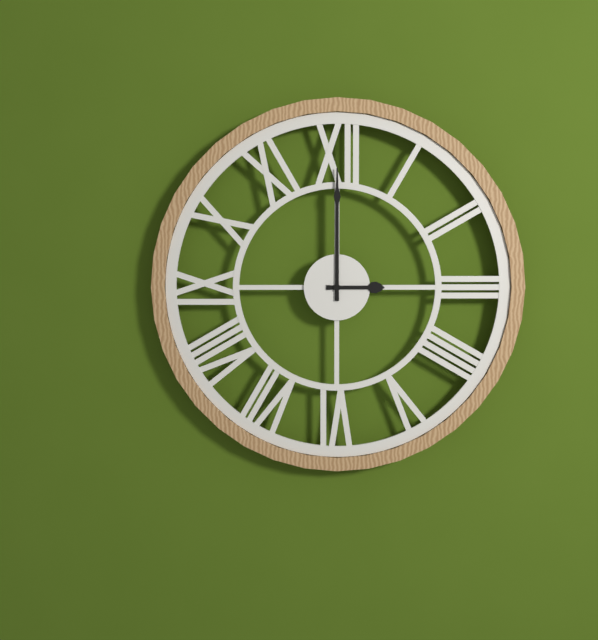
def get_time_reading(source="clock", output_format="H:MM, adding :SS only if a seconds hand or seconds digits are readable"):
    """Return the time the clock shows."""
3:00
